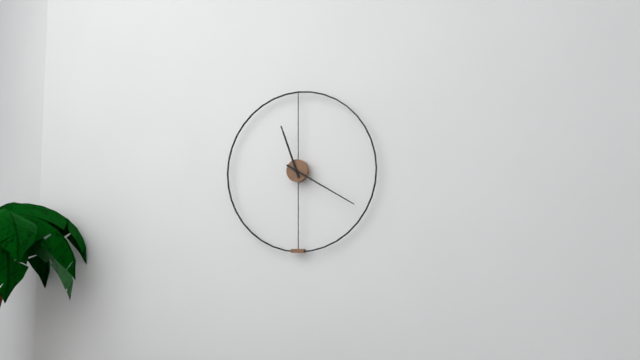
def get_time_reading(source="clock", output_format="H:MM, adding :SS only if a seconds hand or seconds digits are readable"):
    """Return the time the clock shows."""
11:20
